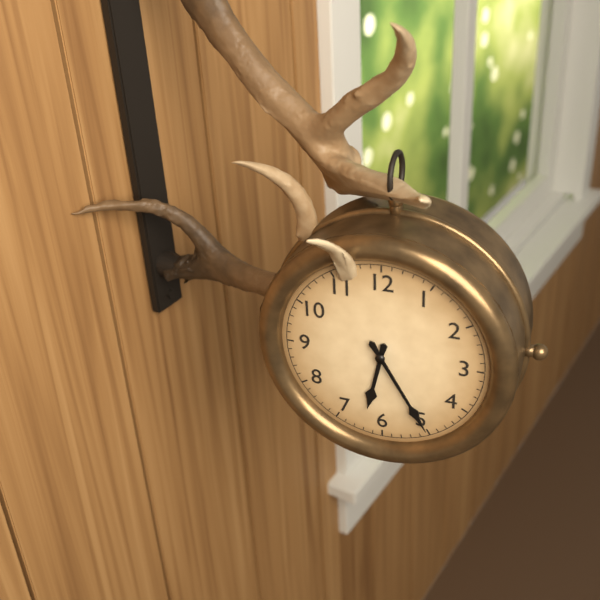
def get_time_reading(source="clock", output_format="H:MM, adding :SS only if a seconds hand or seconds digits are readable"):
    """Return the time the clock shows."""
6:25
